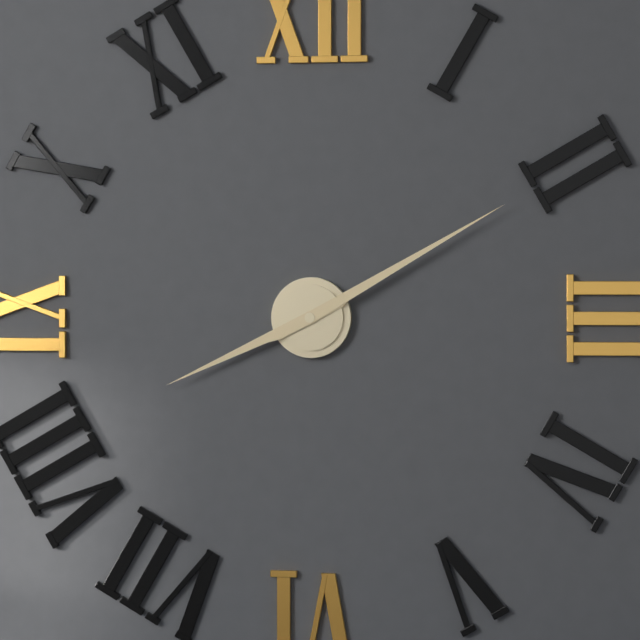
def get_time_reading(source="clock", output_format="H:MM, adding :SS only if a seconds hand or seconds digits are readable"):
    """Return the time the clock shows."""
8:10
